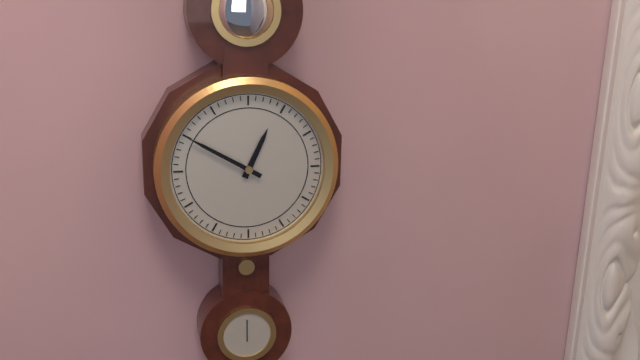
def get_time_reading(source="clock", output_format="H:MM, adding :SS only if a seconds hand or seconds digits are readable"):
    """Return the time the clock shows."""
12:50
